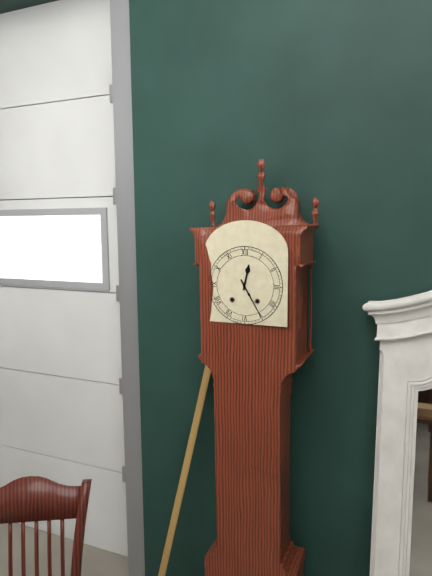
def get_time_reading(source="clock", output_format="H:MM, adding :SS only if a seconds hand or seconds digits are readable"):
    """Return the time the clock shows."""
12:25
